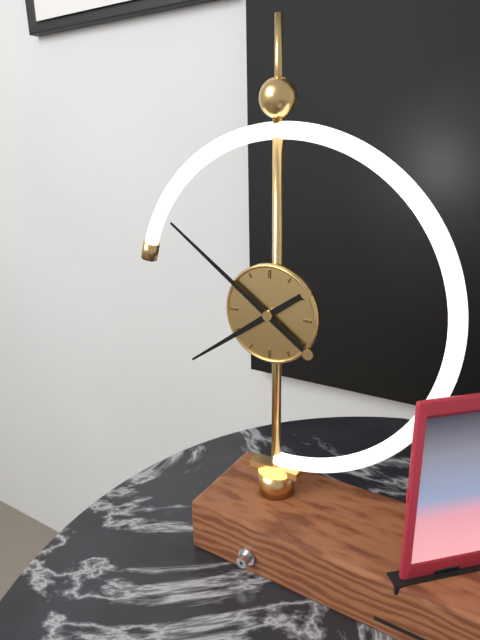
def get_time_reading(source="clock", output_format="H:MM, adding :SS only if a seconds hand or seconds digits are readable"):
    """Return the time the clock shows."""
7:51
